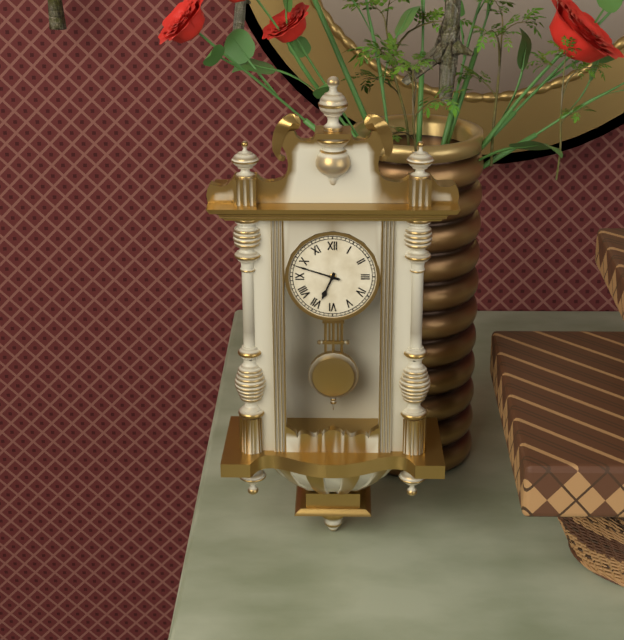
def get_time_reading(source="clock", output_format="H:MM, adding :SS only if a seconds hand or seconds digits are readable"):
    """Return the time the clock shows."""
6:48
